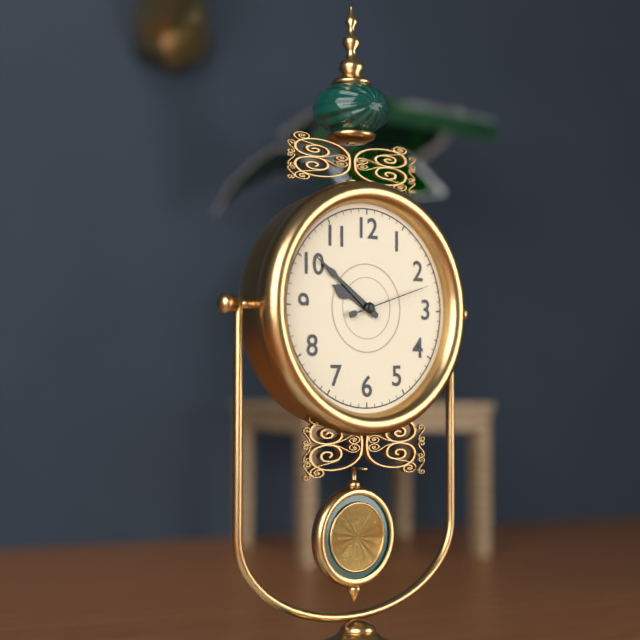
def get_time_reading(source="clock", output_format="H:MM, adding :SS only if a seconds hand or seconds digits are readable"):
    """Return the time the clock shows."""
9:51:12
